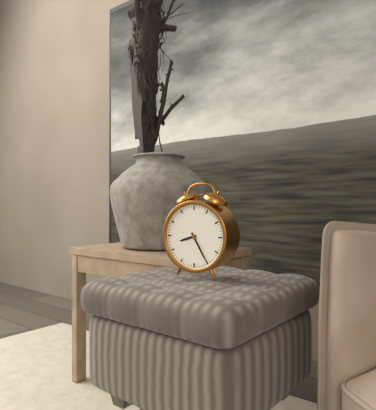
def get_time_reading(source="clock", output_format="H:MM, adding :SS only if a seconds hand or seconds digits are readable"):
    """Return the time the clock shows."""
8:25
